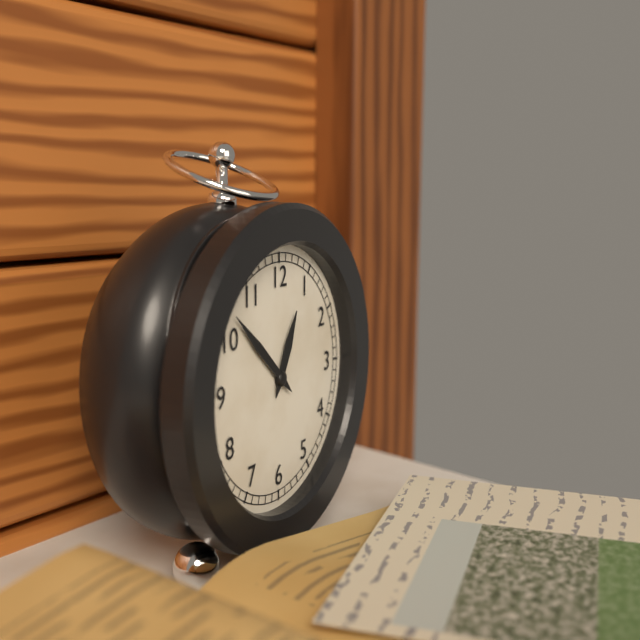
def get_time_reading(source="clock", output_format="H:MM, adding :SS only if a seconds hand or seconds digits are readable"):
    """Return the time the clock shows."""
12:52
